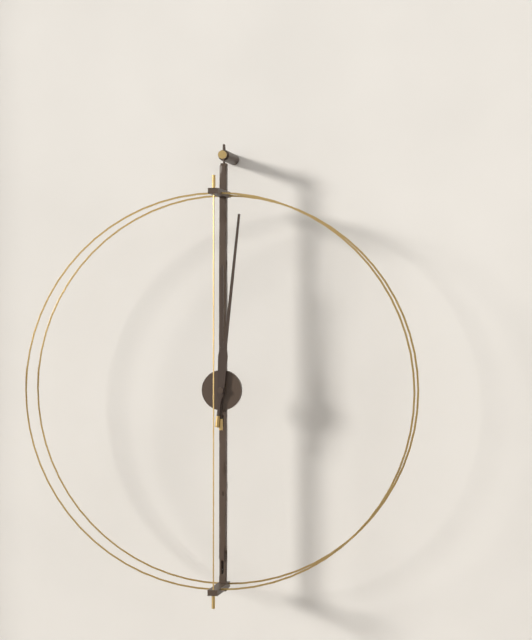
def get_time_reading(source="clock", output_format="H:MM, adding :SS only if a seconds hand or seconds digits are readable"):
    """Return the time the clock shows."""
12:01
